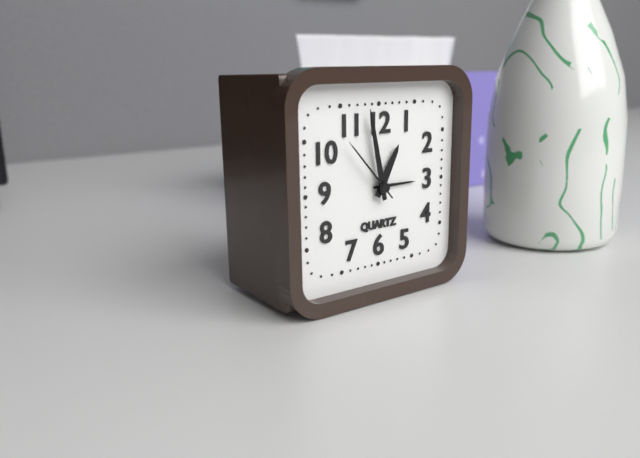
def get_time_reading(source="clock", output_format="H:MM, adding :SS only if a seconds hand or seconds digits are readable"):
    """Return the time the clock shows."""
12:58:53
